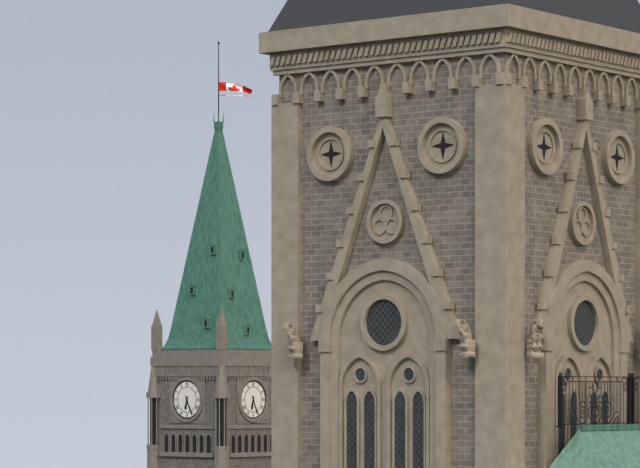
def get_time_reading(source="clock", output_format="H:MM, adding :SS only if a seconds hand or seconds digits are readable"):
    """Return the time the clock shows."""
6:26
